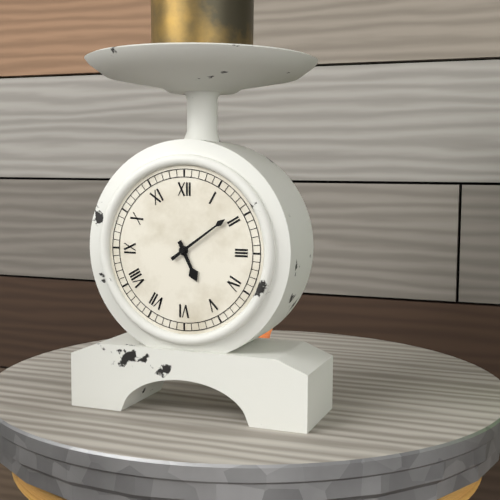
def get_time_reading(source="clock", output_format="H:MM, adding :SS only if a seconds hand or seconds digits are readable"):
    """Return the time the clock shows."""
5:09
